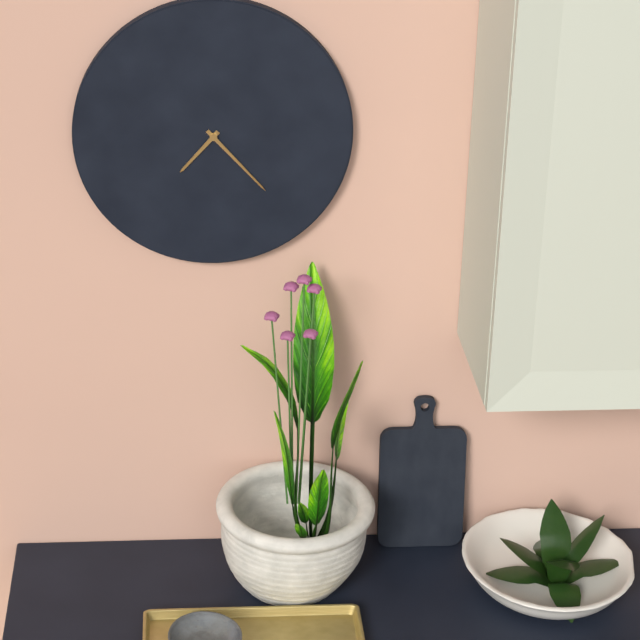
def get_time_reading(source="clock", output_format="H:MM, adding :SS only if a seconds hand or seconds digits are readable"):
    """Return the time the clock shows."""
7:23
